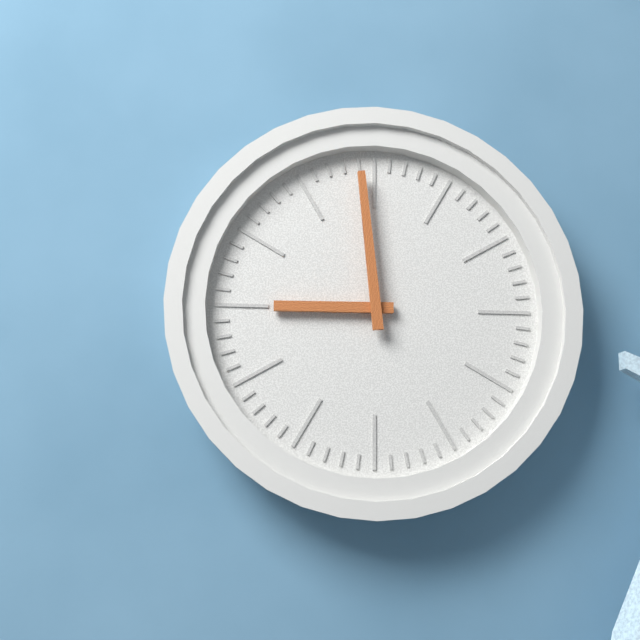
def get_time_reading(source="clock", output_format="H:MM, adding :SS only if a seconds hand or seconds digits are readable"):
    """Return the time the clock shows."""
8:59
